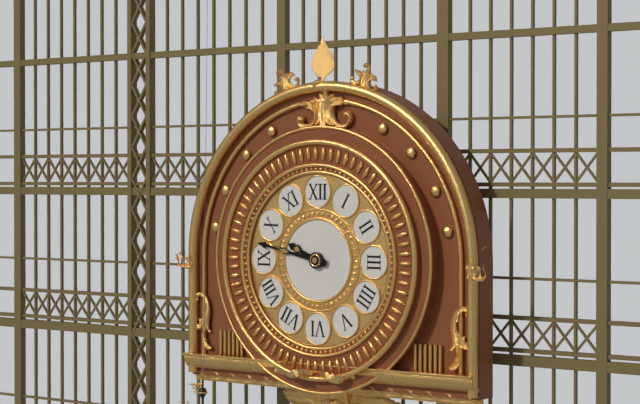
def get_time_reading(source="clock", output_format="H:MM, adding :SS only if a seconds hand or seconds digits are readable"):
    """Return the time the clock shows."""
9:47
